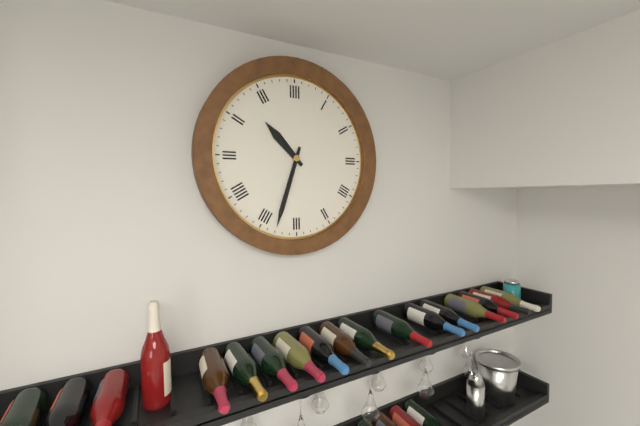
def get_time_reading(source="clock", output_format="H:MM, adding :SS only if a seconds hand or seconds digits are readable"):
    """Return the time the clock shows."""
10:33
